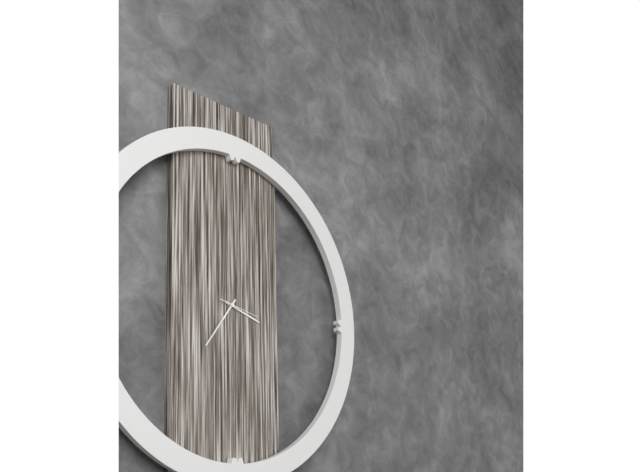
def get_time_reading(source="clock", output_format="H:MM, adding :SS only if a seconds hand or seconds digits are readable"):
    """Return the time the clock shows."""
3:36
